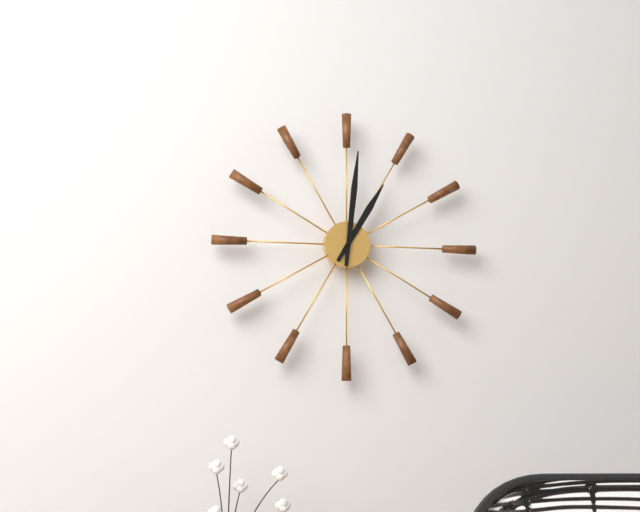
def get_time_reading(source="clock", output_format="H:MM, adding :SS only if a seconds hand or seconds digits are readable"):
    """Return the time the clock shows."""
1:01
